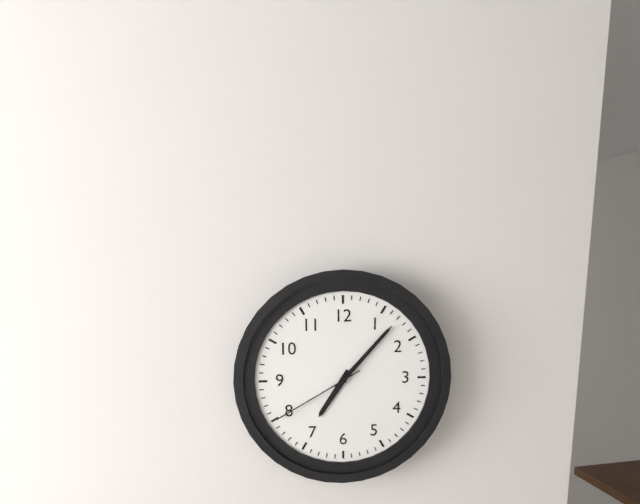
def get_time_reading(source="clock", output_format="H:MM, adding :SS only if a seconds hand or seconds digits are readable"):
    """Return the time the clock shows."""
7:07:40
